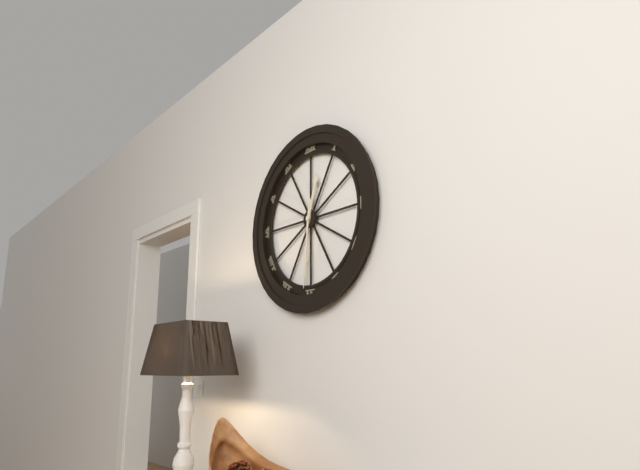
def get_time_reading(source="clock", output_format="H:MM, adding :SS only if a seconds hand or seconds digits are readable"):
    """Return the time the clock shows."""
12:31
